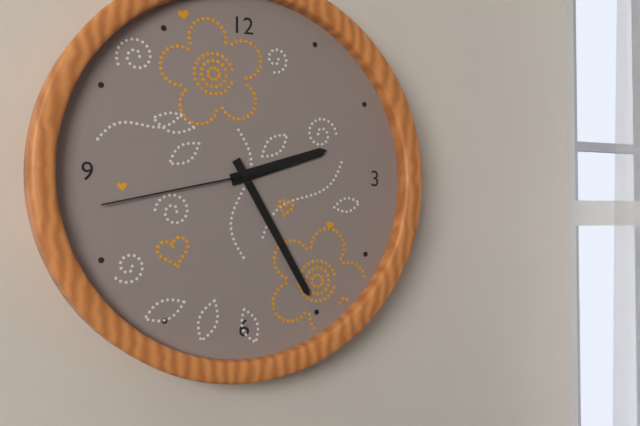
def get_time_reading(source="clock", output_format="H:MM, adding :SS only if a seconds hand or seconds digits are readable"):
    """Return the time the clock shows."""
2:25:43
